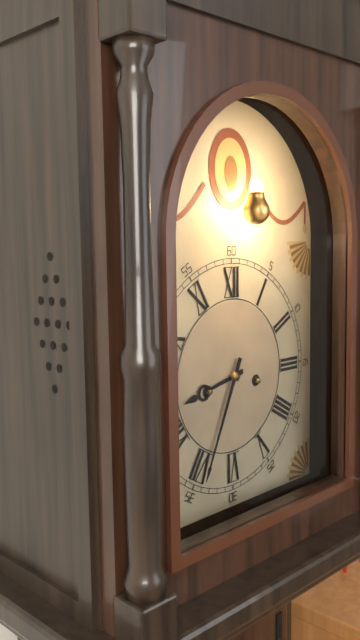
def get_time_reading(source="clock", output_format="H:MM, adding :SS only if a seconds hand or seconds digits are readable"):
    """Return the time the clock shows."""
8:34
